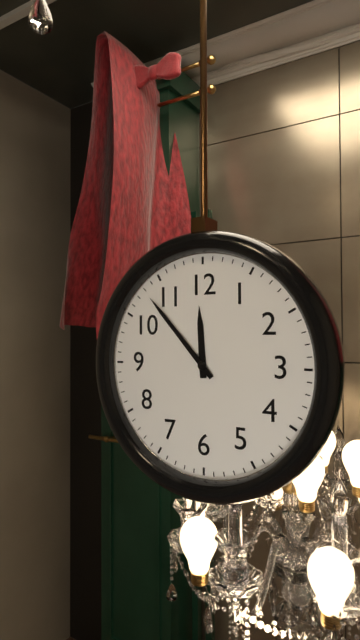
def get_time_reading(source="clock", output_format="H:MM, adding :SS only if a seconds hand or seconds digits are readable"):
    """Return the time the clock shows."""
11:53
